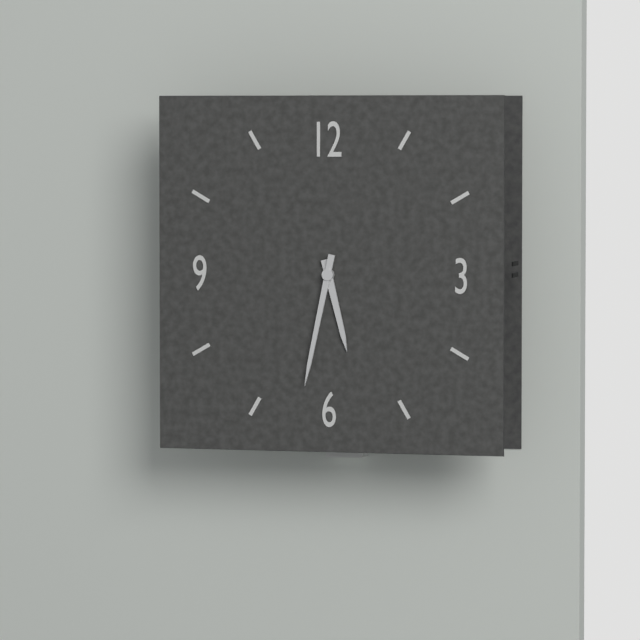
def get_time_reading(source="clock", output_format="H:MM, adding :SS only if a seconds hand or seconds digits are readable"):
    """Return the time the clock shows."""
5:32
